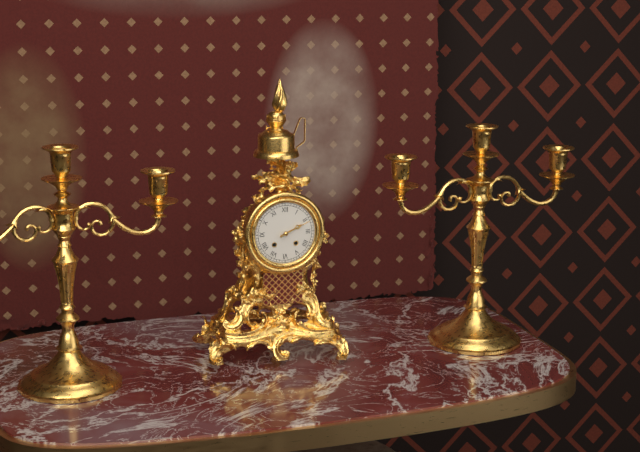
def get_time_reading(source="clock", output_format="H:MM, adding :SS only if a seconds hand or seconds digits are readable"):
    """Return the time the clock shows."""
2:11
